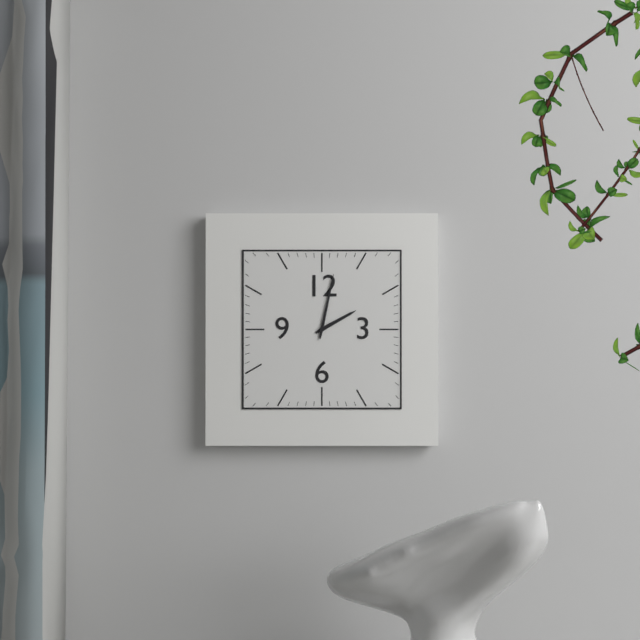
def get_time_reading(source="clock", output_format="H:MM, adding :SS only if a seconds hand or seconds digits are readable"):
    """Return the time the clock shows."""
2:02
